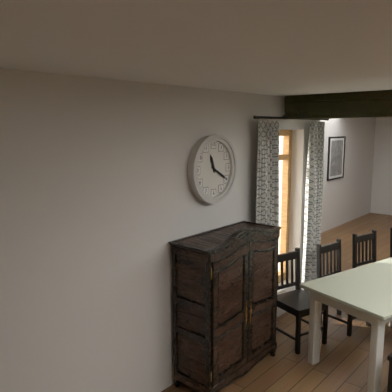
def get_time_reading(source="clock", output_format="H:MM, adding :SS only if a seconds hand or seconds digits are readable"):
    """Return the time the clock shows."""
11:20
